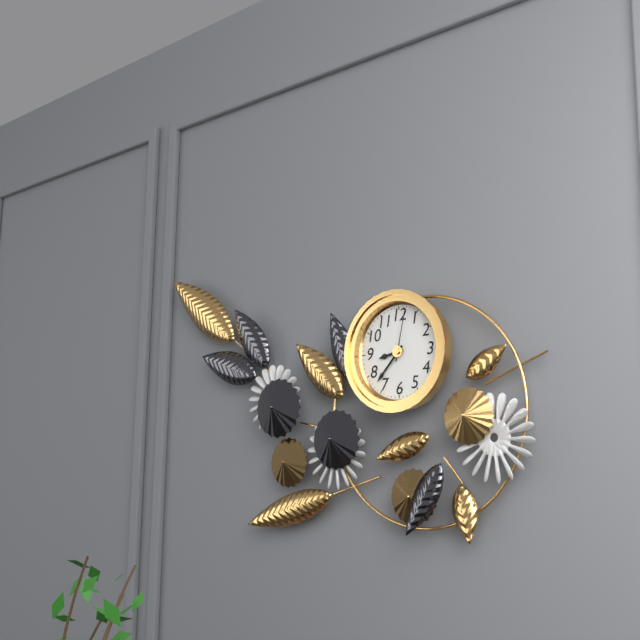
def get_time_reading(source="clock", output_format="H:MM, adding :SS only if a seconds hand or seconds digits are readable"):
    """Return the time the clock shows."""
8:37:02
